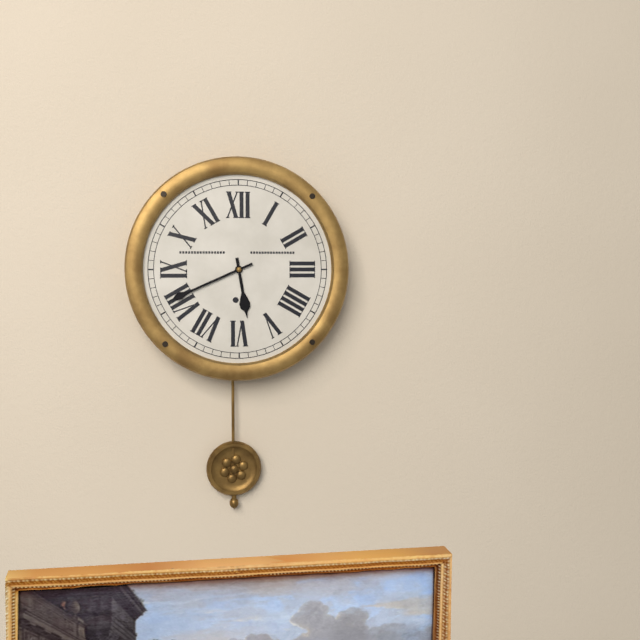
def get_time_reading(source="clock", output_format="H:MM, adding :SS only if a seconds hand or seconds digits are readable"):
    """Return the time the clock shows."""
5:41
